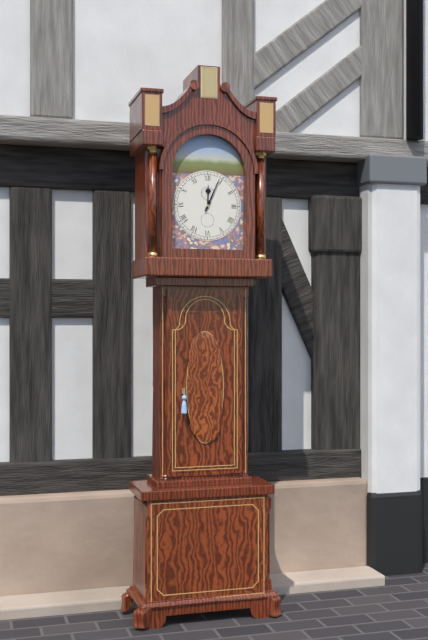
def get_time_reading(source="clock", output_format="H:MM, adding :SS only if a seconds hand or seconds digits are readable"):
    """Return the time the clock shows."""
12:04
